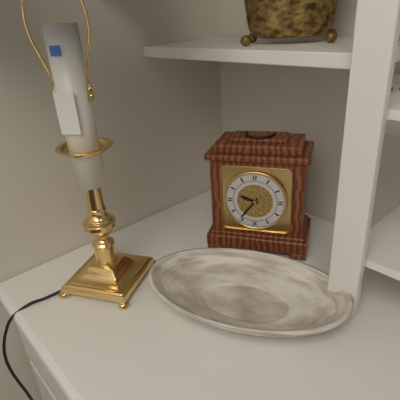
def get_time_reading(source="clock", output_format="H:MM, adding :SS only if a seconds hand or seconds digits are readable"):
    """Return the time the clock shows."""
9:36
